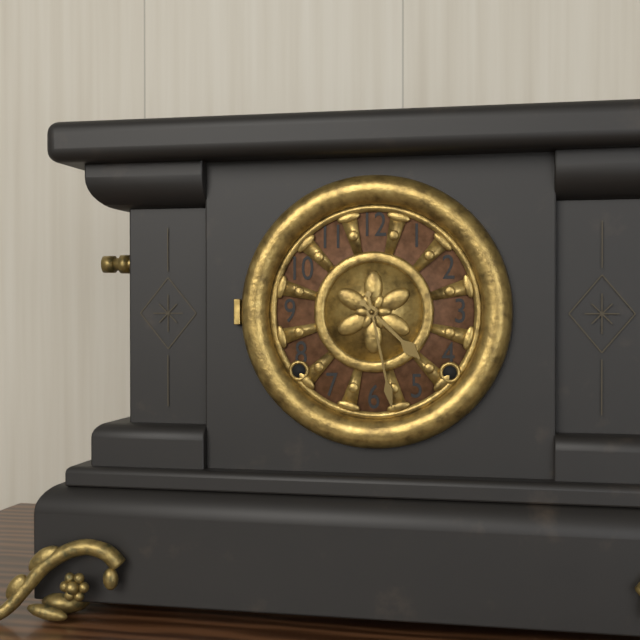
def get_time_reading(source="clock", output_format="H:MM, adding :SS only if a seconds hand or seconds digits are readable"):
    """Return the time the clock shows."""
4:28
